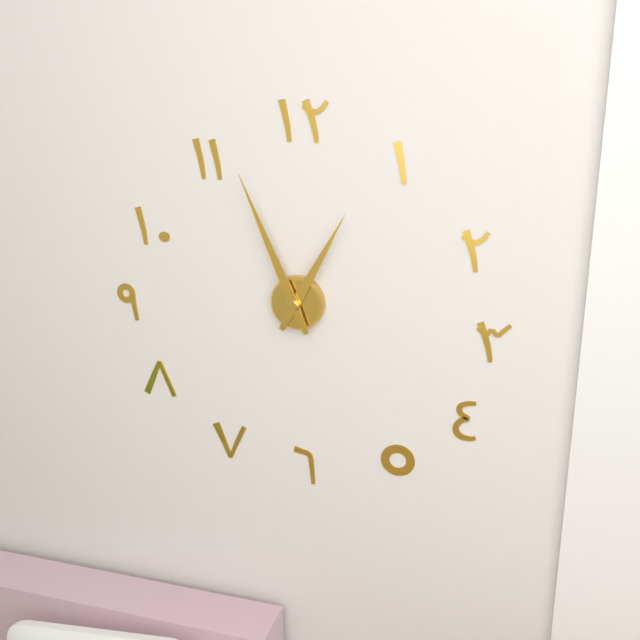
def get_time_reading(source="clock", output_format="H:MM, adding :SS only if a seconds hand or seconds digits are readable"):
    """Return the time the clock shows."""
12:56
